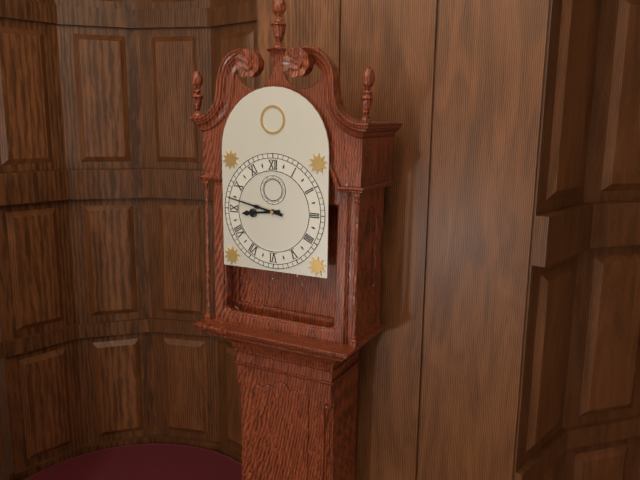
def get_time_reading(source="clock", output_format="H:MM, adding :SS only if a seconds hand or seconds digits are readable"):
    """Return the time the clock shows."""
8:47
